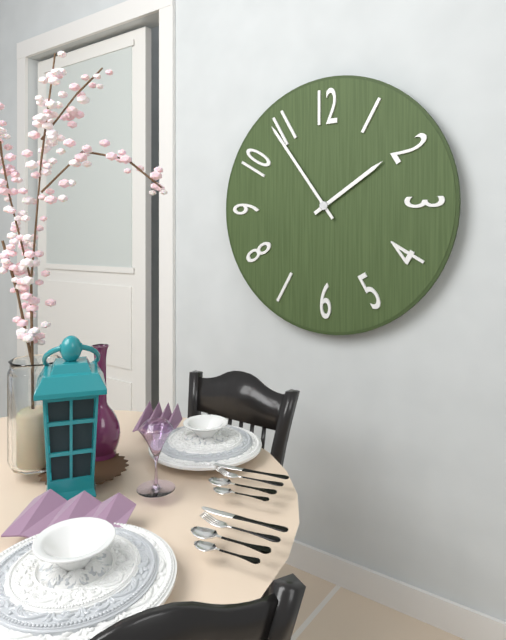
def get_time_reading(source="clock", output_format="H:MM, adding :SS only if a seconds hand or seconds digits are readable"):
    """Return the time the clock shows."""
1:54
